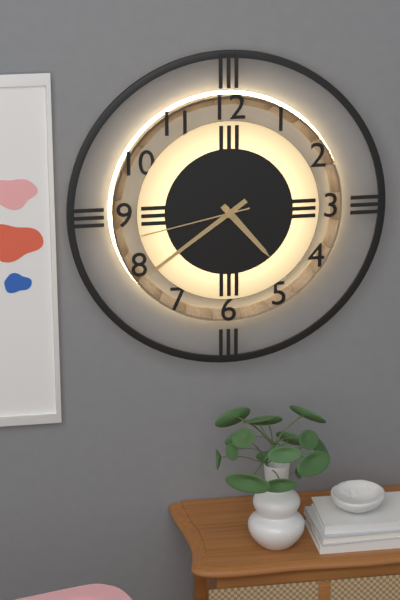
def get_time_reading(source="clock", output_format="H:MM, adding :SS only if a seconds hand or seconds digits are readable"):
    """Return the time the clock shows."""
4:39:43
